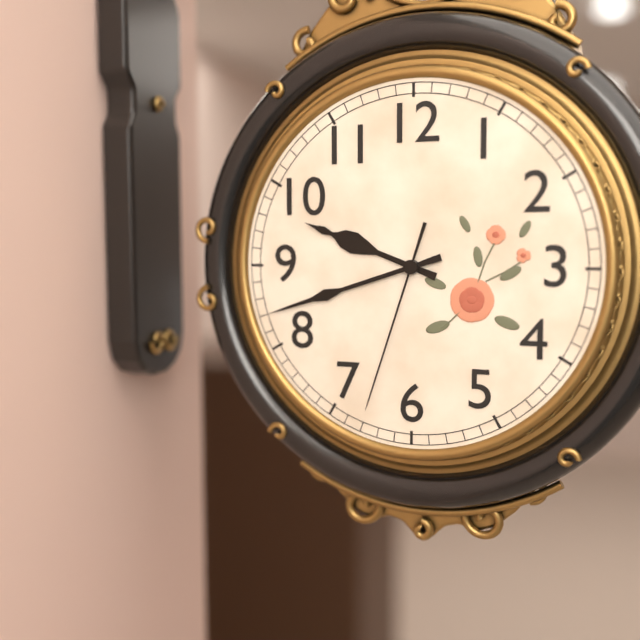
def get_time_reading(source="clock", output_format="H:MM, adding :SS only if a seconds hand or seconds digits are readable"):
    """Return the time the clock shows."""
9:42:33
